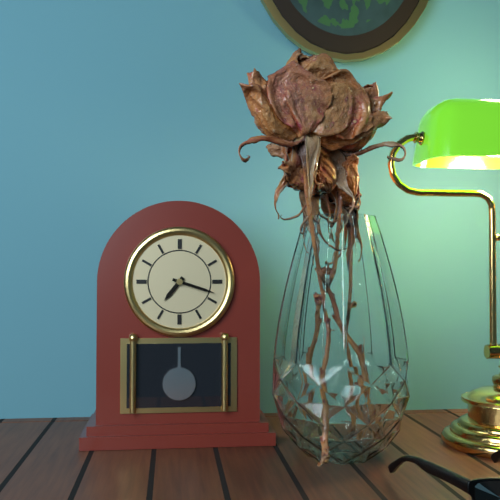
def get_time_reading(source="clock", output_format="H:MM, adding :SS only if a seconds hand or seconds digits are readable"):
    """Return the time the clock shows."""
7:18
